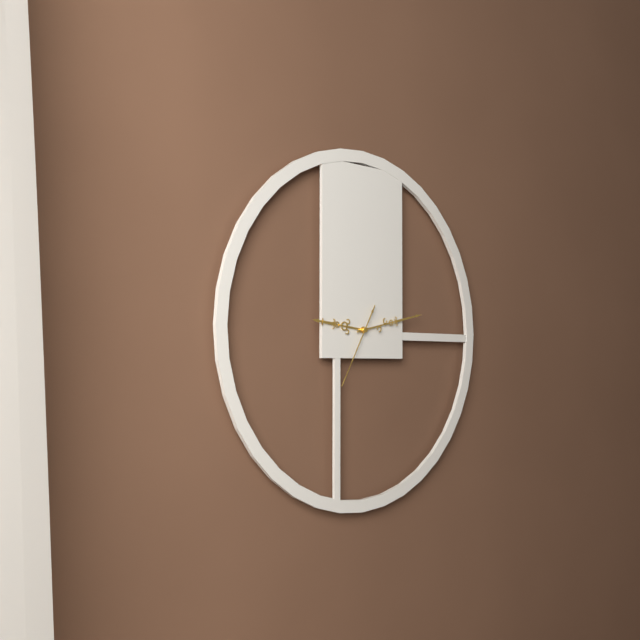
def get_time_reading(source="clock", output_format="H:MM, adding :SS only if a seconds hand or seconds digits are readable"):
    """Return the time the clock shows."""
9:13:35
